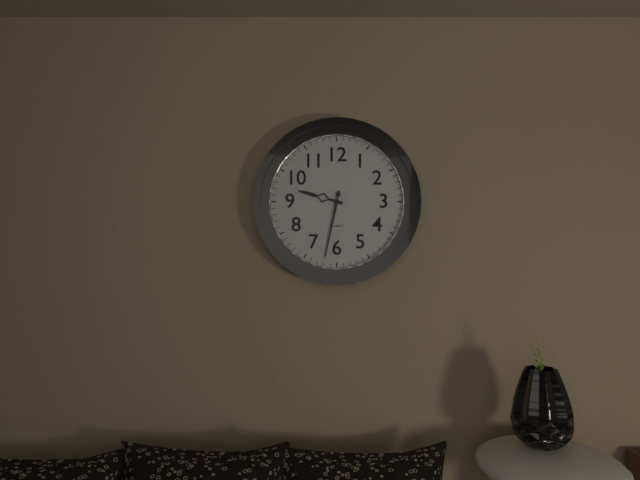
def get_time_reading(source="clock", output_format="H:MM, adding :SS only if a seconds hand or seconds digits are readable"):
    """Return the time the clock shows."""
9:32
